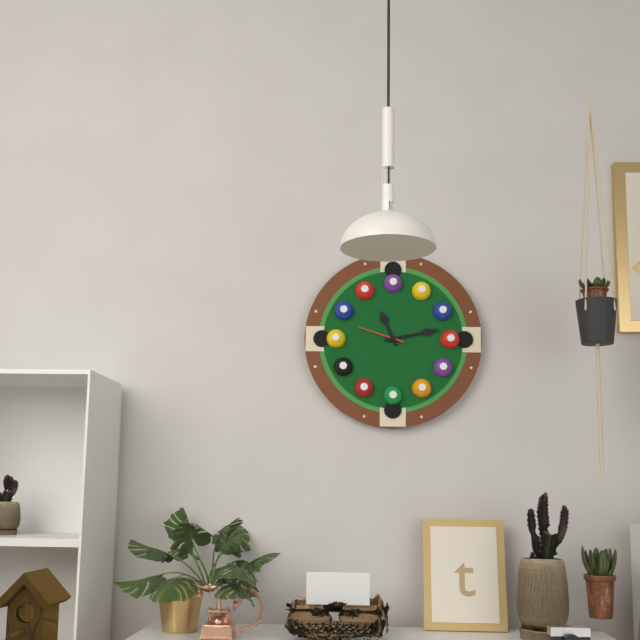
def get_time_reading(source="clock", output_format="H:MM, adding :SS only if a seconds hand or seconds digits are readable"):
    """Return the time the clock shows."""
11:13
